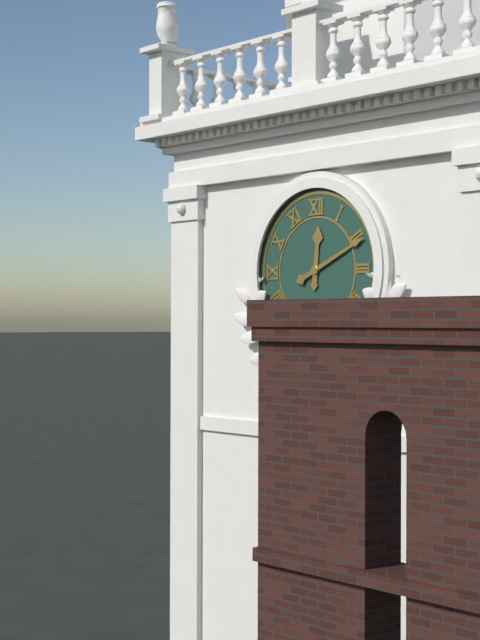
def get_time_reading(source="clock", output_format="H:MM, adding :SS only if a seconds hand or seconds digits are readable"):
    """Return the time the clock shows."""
12:11
